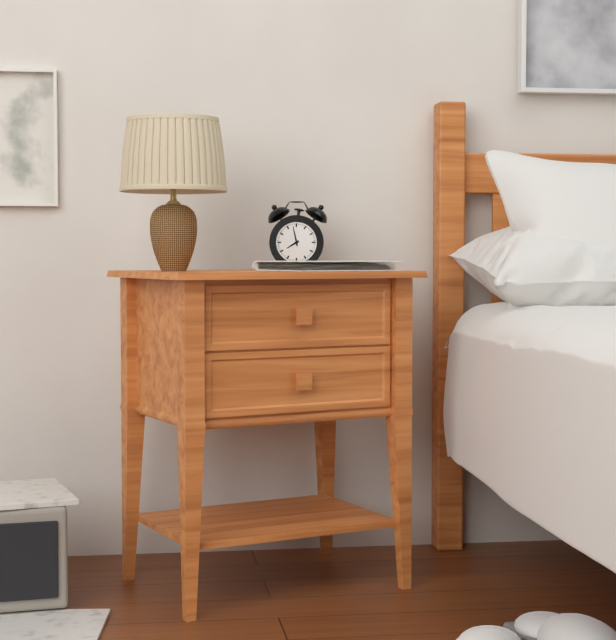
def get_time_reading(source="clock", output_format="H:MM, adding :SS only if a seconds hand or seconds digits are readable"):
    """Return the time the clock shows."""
7:58
